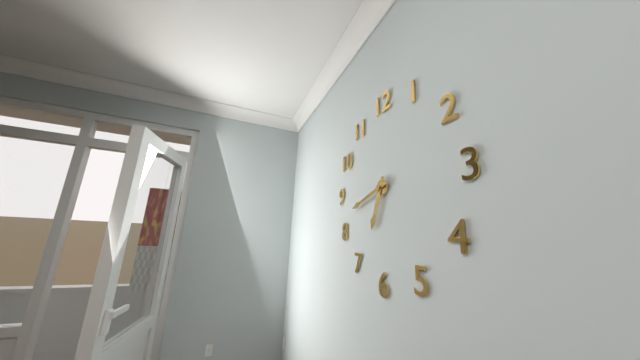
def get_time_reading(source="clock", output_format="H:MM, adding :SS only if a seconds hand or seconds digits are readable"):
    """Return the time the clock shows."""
6:42
